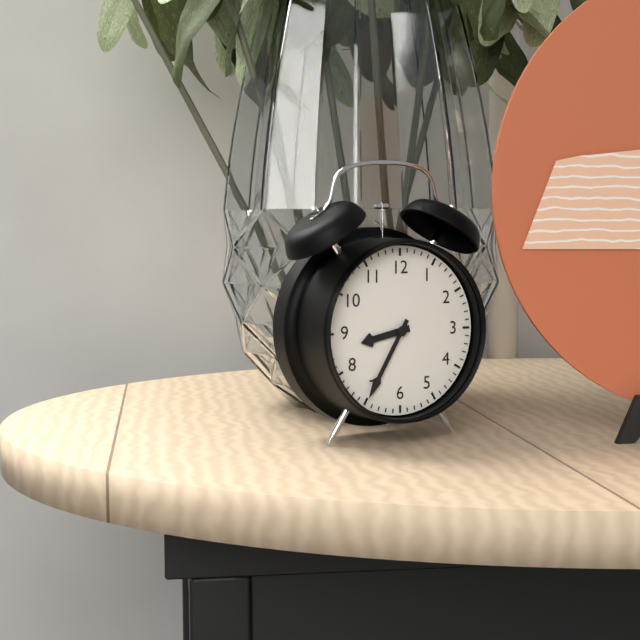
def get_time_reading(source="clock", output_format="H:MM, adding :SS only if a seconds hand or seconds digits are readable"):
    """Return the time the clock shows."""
8:35
